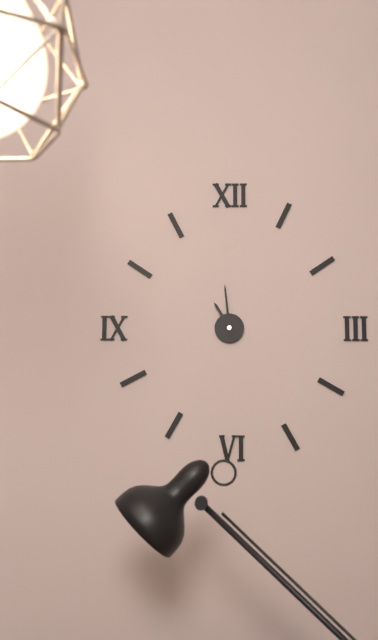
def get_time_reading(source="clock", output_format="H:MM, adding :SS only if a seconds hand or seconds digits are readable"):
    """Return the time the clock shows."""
10:59
